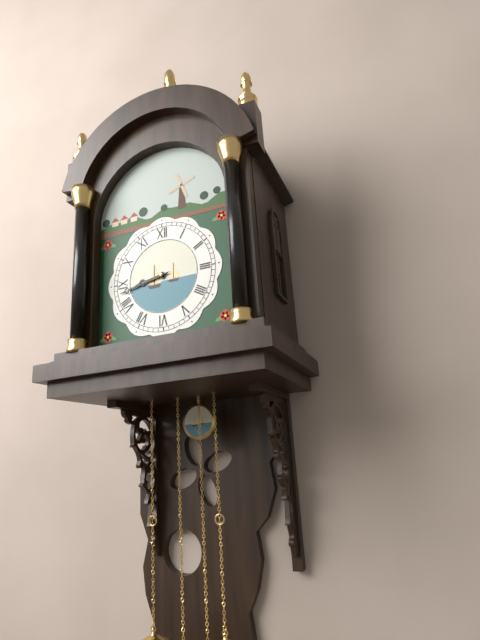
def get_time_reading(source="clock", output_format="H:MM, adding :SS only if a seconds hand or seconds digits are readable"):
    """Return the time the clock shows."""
8:43
